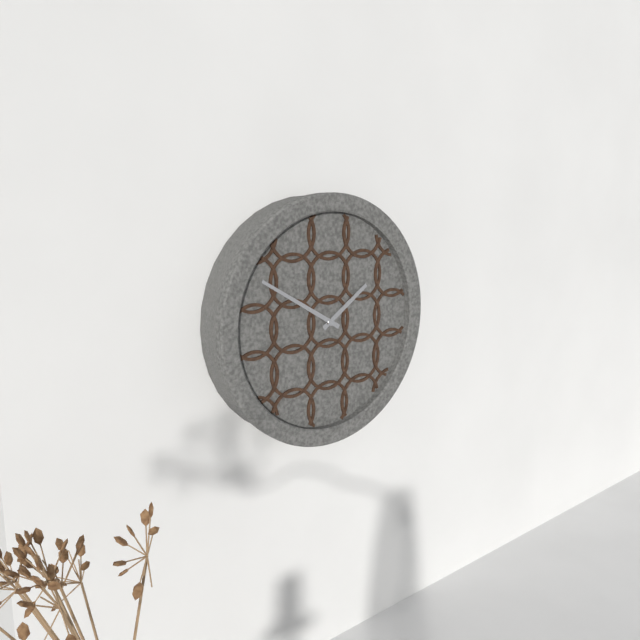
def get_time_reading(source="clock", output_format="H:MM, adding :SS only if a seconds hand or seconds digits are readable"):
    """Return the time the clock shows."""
1:50
